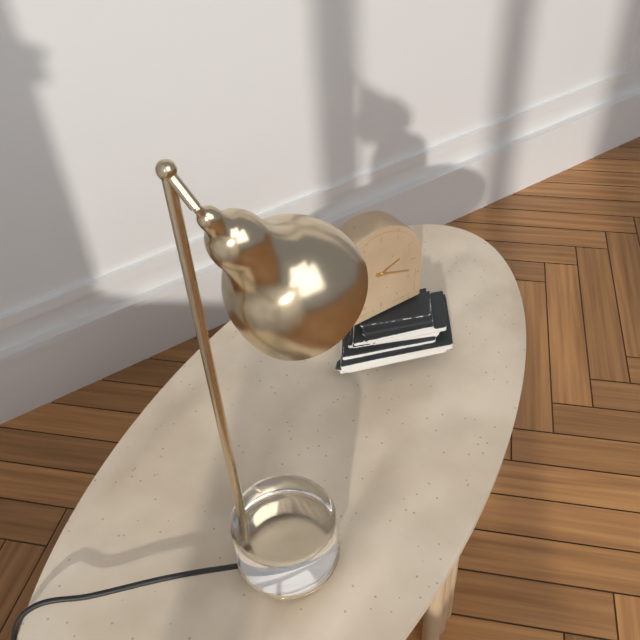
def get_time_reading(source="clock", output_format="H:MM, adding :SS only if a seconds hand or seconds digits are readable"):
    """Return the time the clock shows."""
2:18
